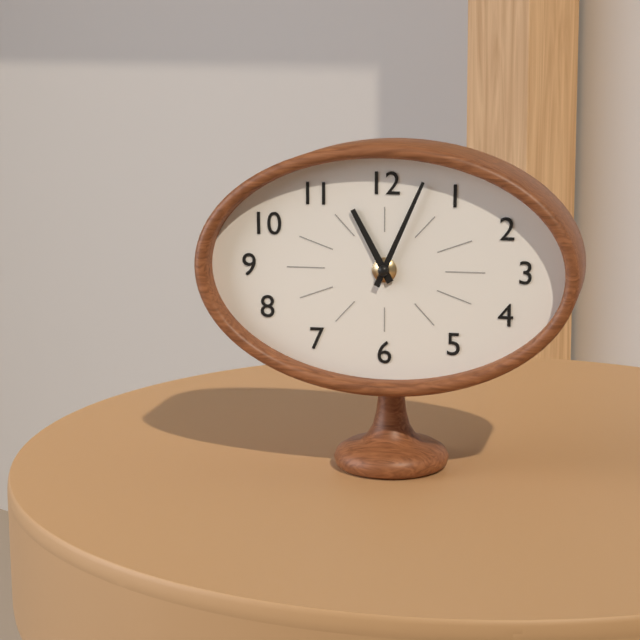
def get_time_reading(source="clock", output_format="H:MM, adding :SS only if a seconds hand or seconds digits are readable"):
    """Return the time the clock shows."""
11:04
